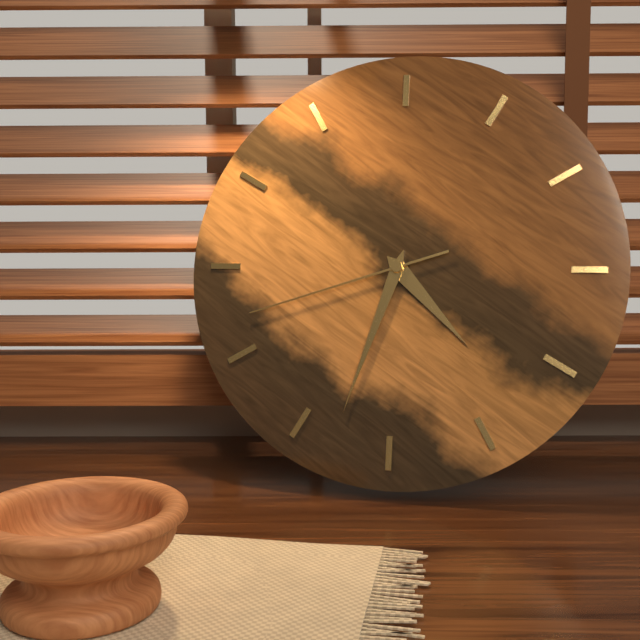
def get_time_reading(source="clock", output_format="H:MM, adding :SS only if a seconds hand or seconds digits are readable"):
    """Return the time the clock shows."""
4:33:42
